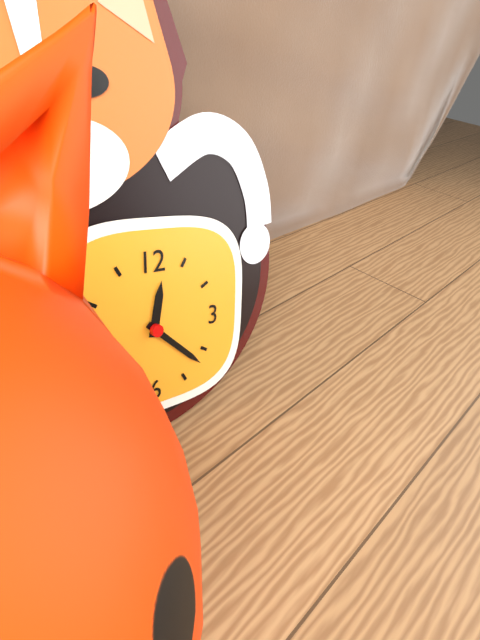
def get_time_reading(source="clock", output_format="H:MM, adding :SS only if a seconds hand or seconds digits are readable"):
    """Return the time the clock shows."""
12:22
